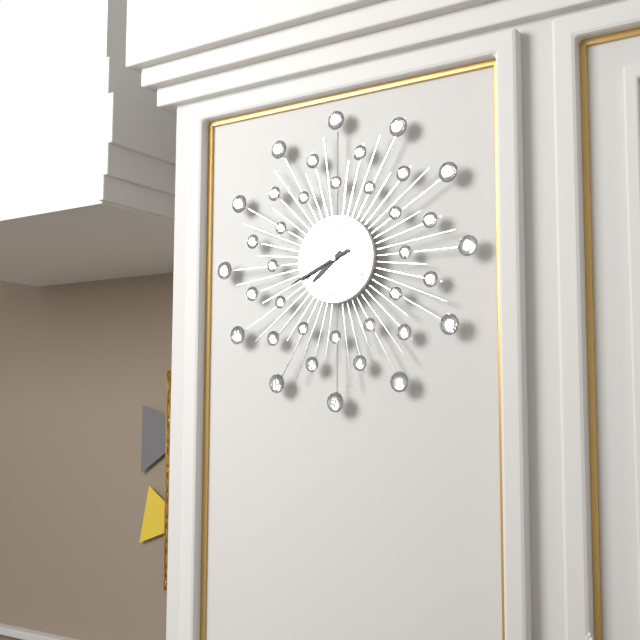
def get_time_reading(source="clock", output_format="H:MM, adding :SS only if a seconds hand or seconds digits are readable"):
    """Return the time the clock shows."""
7:41
